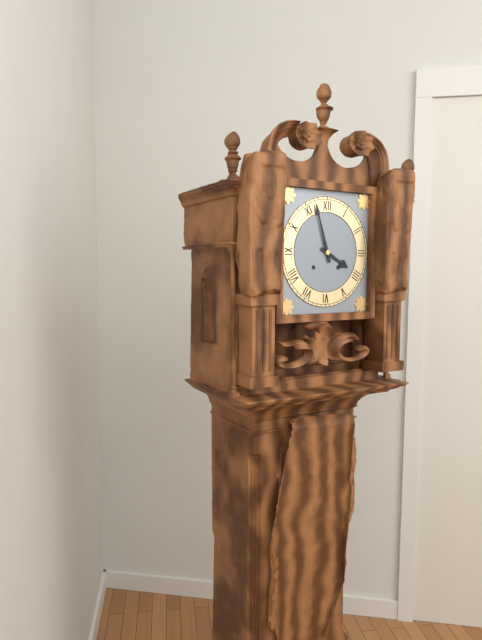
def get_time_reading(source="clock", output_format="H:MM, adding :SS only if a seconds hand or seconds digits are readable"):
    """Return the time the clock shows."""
3:57
